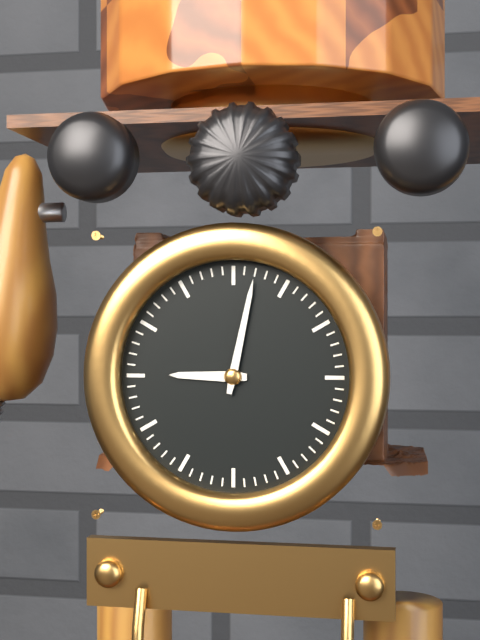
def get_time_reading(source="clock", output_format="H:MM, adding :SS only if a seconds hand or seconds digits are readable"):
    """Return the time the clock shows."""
9:02
